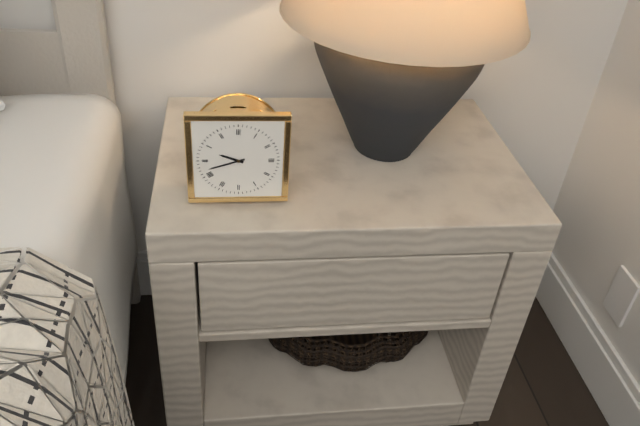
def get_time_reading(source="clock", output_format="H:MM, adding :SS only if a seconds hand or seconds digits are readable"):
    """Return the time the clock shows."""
9:42
